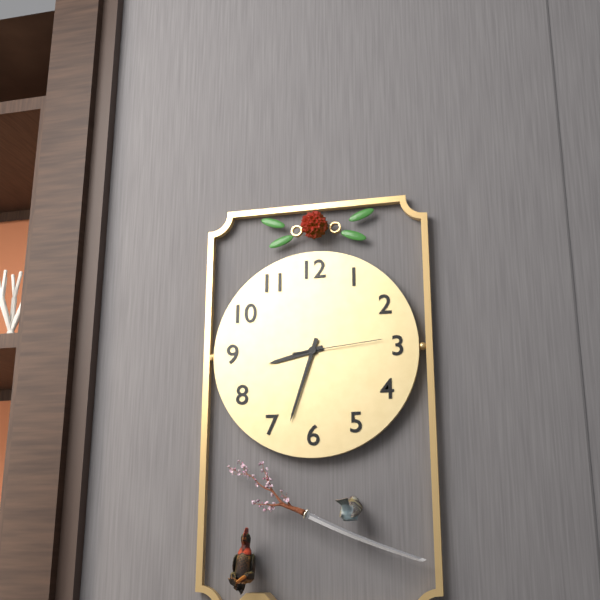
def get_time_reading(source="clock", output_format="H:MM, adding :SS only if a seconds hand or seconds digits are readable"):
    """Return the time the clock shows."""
8:33:14
